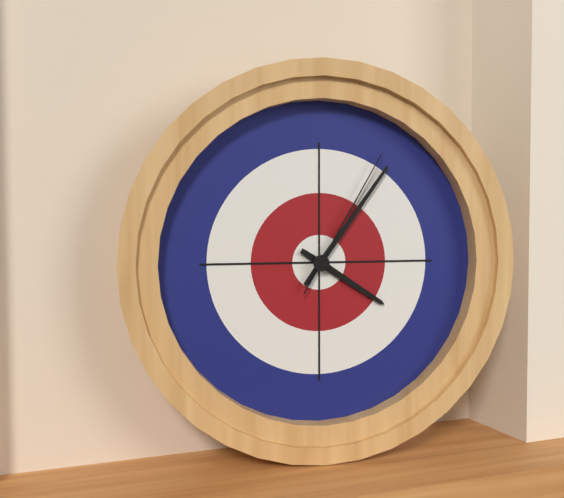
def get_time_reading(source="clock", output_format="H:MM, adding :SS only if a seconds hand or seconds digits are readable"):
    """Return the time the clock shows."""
4:06:05
